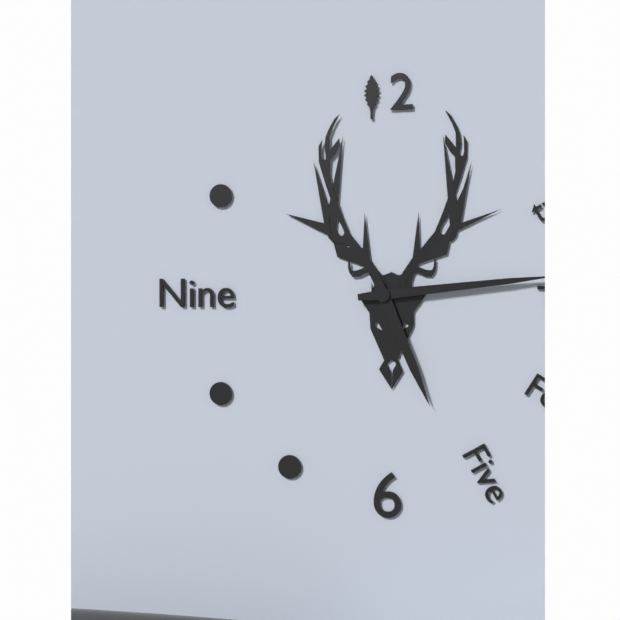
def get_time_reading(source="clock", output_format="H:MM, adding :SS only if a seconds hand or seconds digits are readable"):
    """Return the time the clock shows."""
5:14
